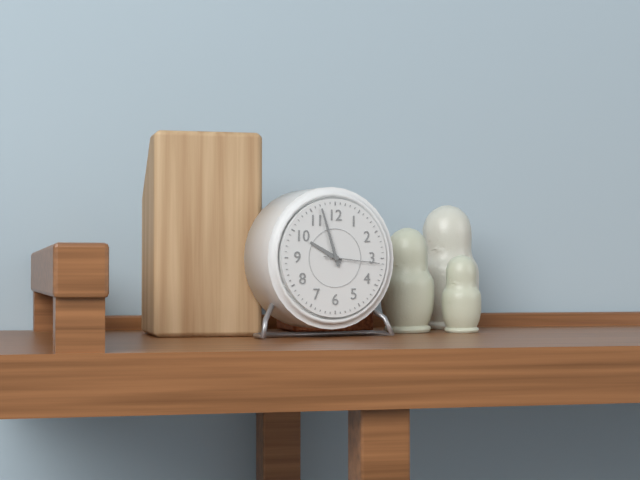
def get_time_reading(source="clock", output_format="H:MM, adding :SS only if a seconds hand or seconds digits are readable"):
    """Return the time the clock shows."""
9:57:16
